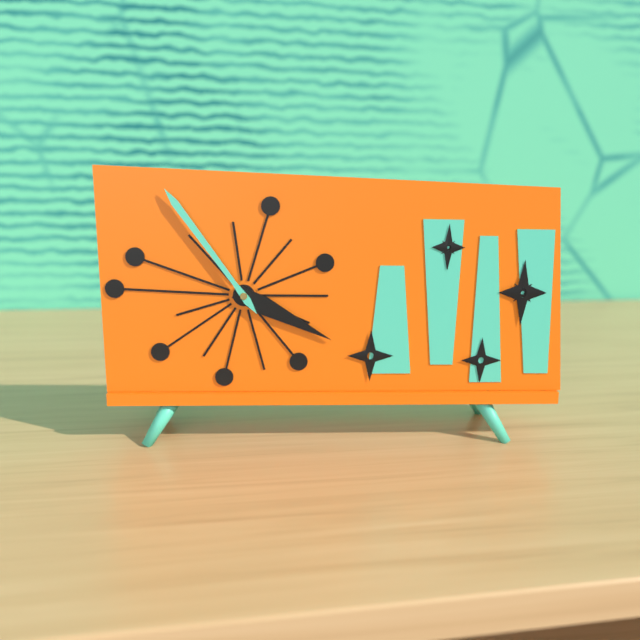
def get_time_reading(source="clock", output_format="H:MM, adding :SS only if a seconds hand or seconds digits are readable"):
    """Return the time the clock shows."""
3:54
